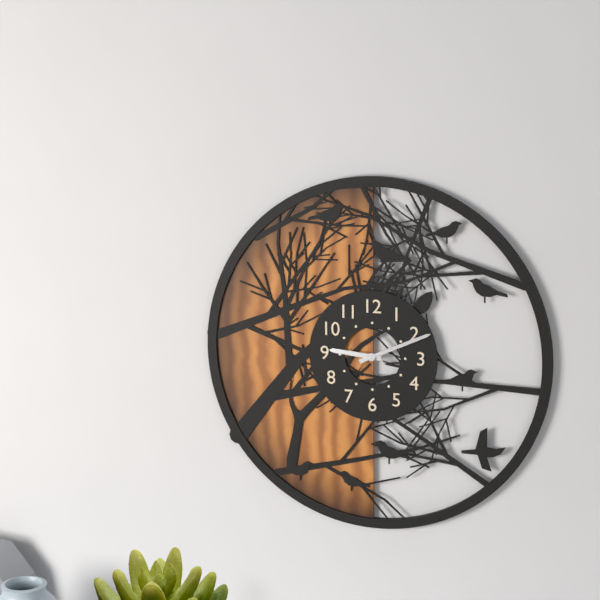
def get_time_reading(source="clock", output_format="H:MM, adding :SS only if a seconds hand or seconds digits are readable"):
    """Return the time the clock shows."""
9:11
